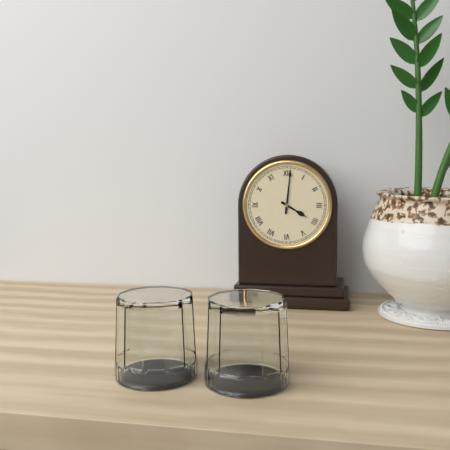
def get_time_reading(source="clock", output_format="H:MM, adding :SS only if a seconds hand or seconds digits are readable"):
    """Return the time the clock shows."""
4:01
